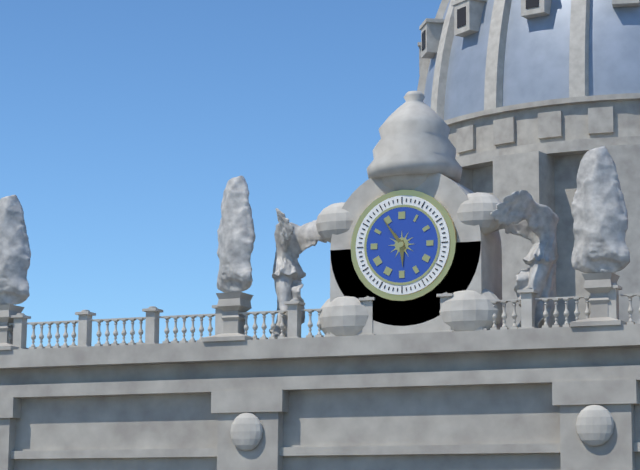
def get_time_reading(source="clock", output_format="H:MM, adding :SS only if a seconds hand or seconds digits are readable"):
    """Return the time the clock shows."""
5:54
